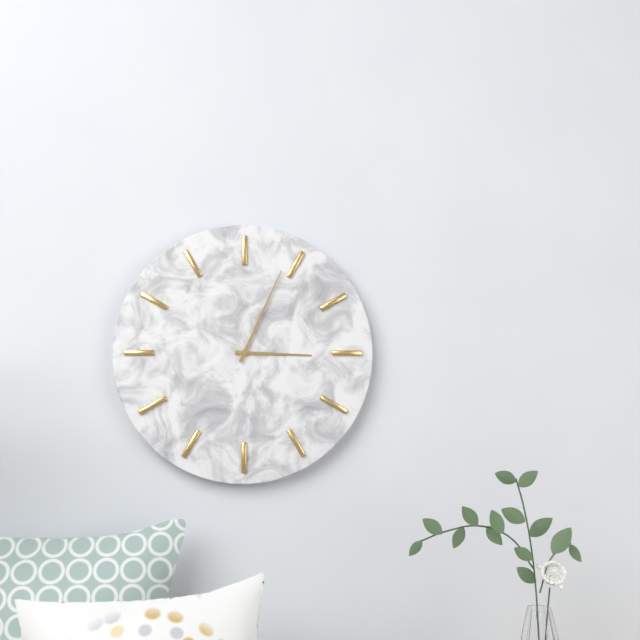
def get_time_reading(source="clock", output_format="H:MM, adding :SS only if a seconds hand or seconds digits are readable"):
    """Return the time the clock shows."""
3:04
